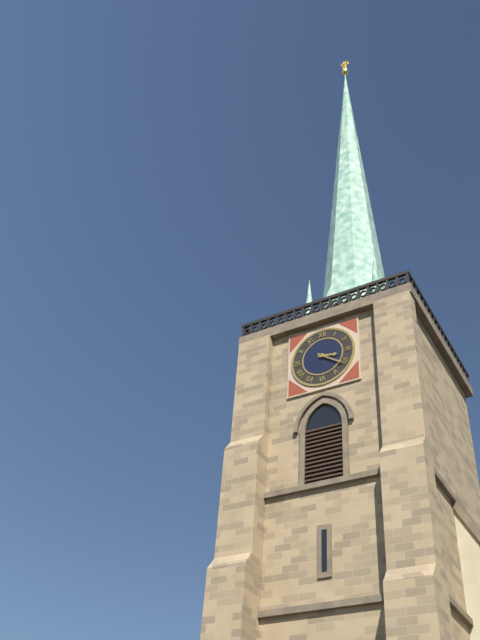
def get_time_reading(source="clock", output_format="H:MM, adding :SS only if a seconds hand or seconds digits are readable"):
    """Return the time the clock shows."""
3:21
